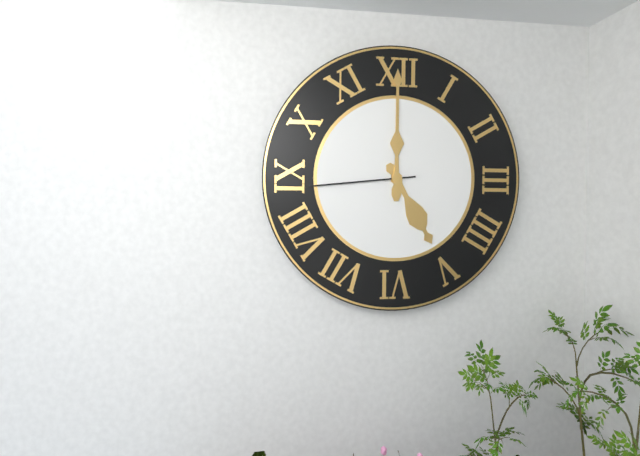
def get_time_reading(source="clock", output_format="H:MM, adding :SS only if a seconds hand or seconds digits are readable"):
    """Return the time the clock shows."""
5:00:44
